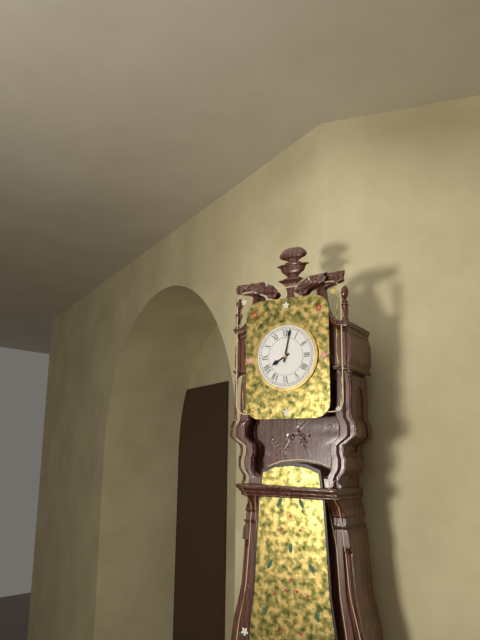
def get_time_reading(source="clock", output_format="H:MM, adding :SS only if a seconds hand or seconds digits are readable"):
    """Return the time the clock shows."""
8:02
